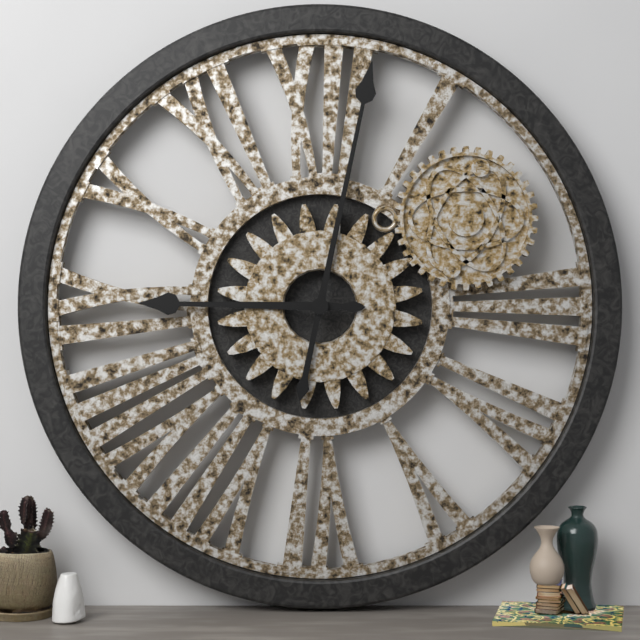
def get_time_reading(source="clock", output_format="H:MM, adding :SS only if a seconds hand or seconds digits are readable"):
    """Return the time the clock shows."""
9:02
